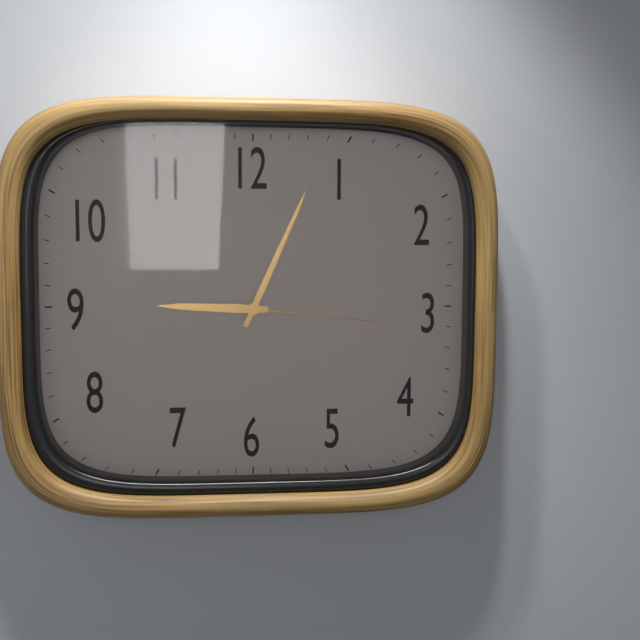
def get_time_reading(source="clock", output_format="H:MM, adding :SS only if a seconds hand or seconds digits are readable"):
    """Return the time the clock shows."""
9:04:16
